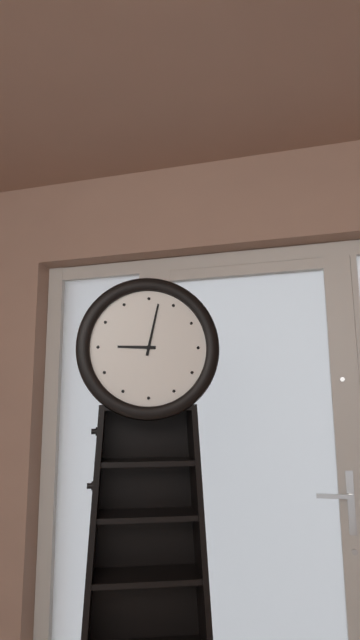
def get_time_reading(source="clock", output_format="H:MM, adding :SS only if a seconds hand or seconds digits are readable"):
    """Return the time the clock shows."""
9:02
